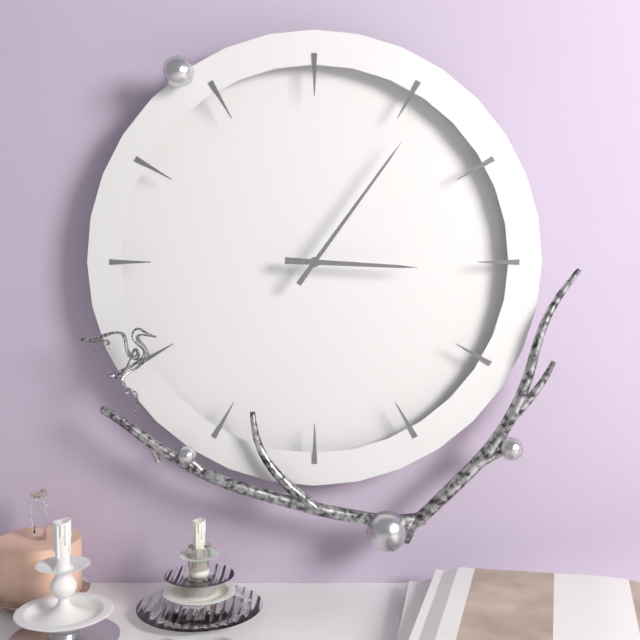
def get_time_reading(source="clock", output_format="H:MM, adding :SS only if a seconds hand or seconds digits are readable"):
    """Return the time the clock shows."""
3:06
